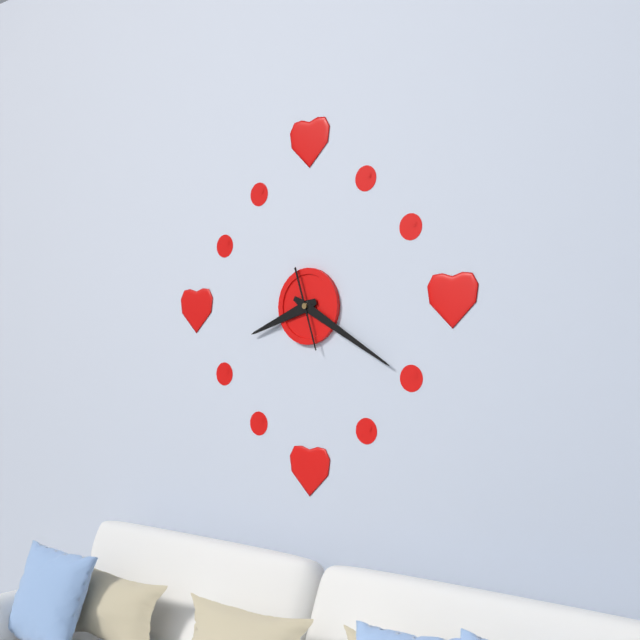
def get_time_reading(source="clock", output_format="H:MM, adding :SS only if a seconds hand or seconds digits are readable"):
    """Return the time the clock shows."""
8:20:27
